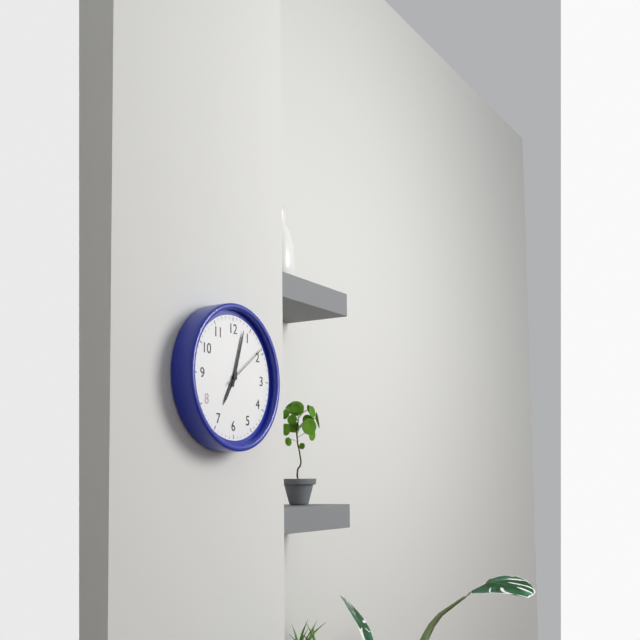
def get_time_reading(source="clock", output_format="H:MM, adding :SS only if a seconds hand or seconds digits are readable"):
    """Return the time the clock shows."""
7:03
